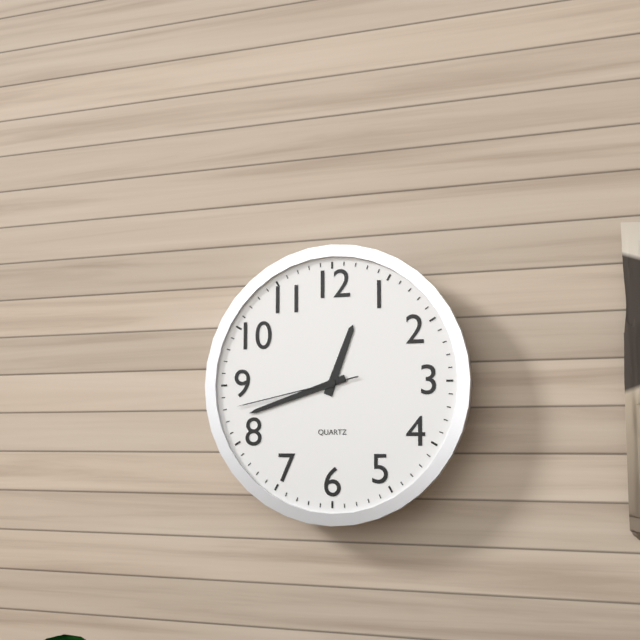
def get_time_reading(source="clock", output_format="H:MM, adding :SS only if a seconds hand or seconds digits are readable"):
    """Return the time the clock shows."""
12:42:43
